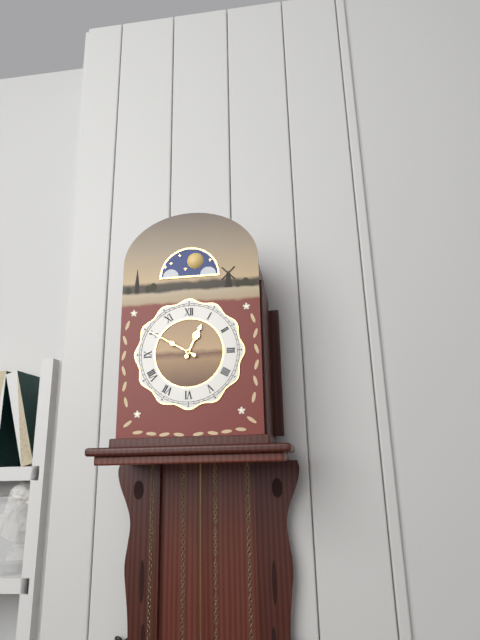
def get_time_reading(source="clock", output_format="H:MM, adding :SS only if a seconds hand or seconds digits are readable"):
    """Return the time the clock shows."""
12:50
